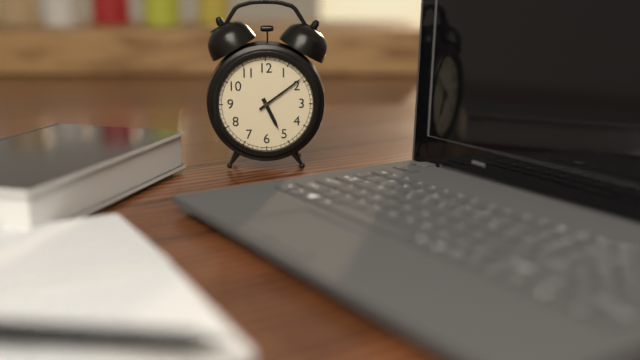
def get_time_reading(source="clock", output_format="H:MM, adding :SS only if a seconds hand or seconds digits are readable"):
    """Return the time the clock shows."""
5:09
